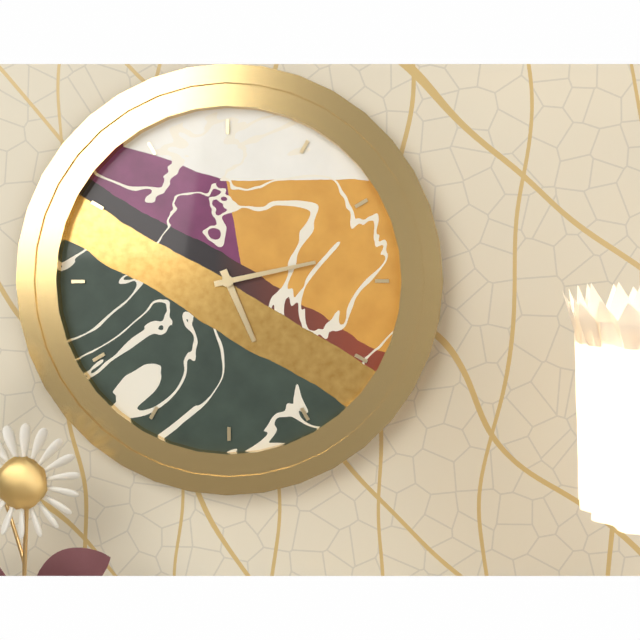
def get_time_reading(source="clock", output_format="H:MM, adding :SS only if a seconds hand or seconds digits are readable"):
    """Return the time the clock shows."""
5:13
